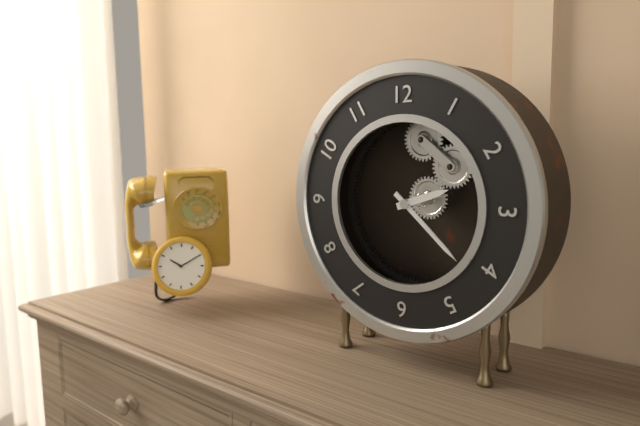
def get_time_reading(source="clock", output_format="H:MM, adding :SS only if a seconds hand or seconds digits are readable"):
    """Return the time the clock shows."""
2:22
